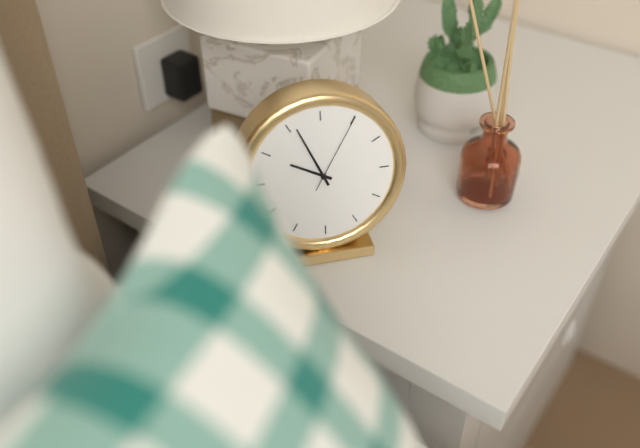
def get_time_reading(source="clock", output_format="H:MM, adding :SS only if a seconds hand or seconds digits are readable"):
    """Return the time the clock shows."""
9:56:05
